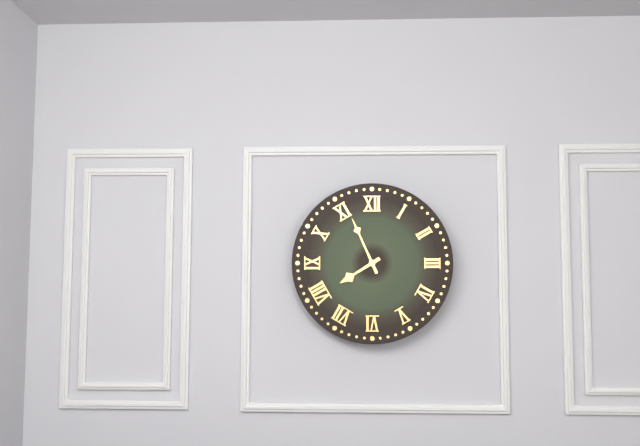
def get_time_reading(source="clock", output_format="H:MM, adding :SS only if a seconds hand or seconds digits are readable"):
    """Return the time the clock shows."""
7:56
